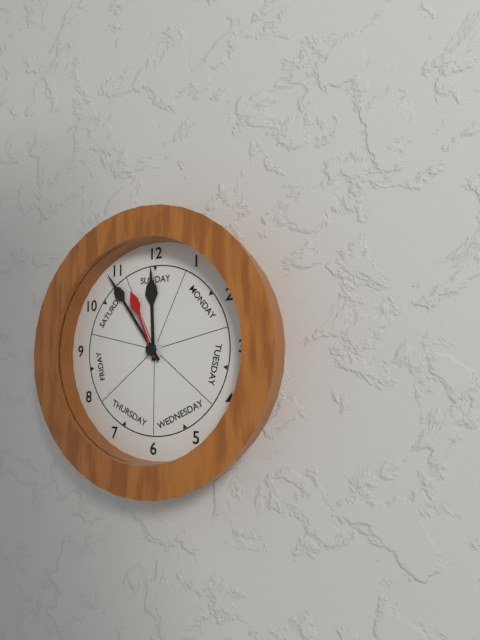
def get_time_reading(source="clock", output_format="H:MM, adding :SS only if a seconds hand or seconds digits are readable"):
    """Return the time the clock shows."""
11:54:56
